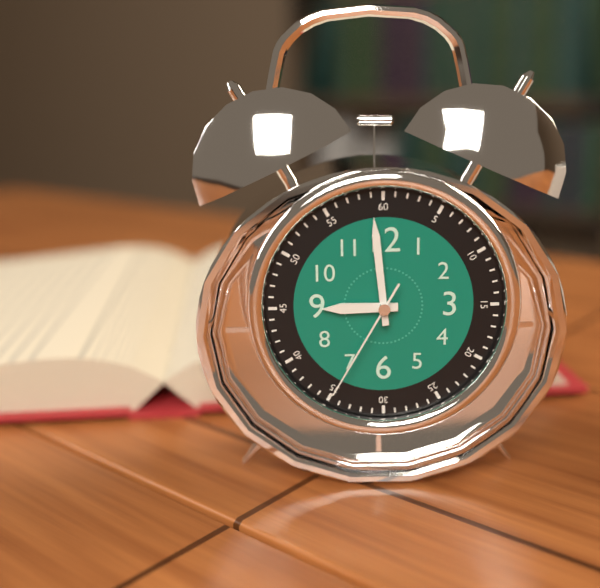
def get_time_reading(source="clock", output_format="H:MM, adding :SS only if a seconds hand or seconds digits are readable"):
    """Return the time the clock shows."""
8:59:35
